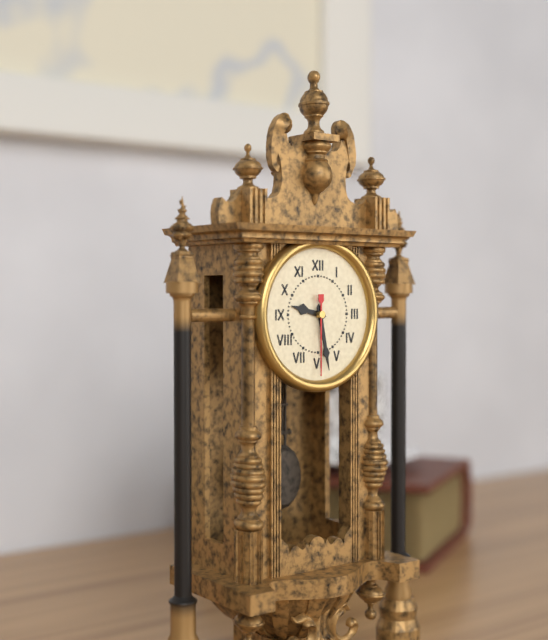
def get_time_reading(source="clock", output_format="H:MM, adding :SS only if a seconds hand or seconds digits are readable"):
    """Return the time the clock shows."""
9:28:30
